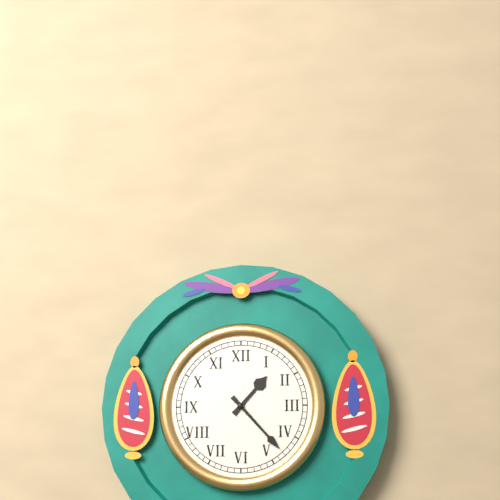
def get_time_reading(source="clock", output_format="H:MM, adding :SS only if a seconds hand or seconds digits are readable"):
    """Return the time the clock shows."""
1:23
